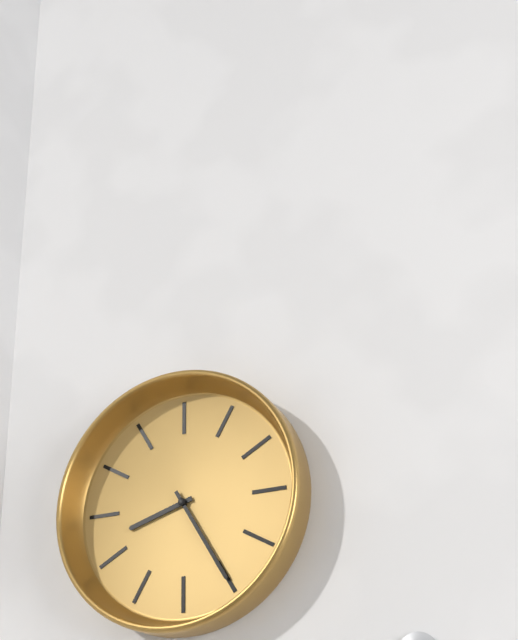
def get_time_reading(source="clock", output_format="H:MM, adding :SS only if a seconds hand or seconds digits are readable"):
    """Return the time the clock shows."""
8:25
